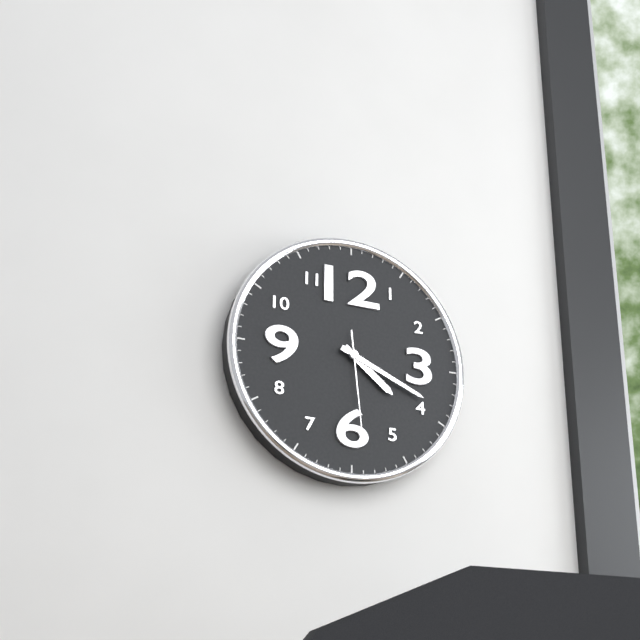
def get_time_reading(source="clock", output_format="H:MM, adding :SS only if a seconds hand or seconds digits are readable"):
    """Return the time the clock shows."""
4:19:29
